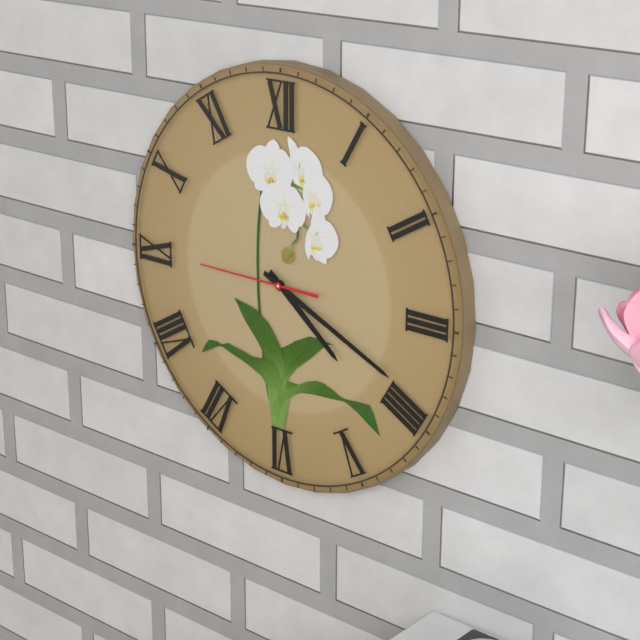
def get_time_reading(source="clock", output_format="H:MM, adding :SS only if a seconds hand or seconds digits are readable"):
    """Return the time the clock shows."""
4:19:45
